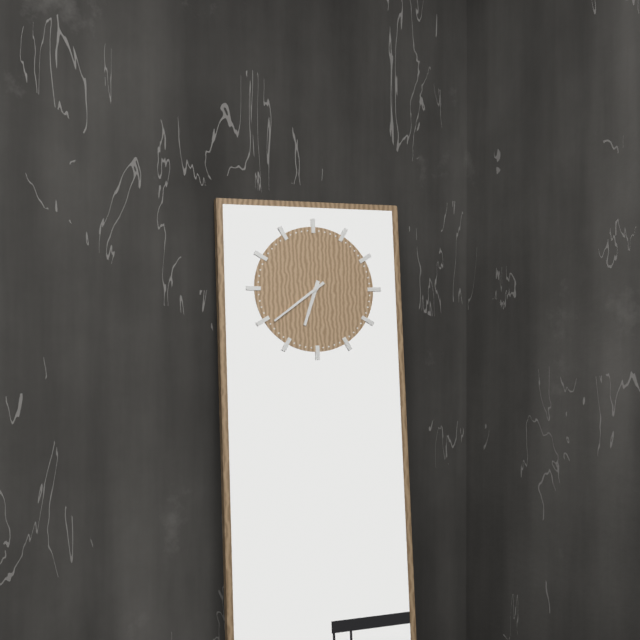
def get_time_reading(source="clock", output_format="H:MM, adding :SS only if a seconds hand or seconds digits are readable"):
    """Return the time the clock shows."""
6:39
